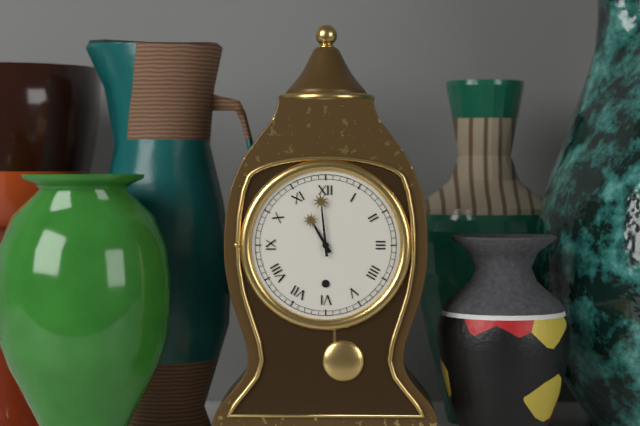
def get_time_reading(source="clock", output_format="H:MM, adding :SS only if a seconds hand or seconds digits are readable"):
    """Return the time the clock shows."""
10:59
